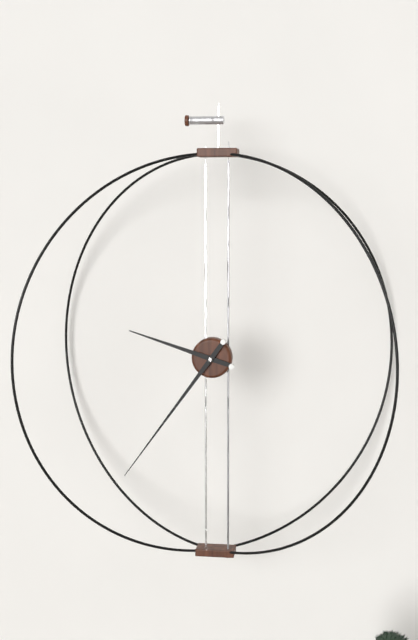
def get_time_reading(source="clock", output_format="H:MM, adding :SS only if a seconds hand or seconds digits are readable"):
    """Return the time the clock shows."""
9:36
